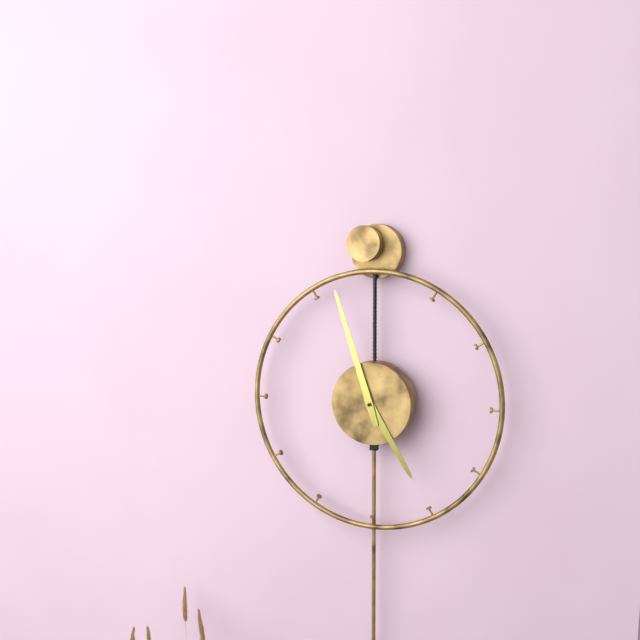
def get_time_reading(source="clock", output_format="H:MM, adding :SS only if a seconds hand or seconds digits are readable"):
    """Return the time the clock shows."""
4:57
